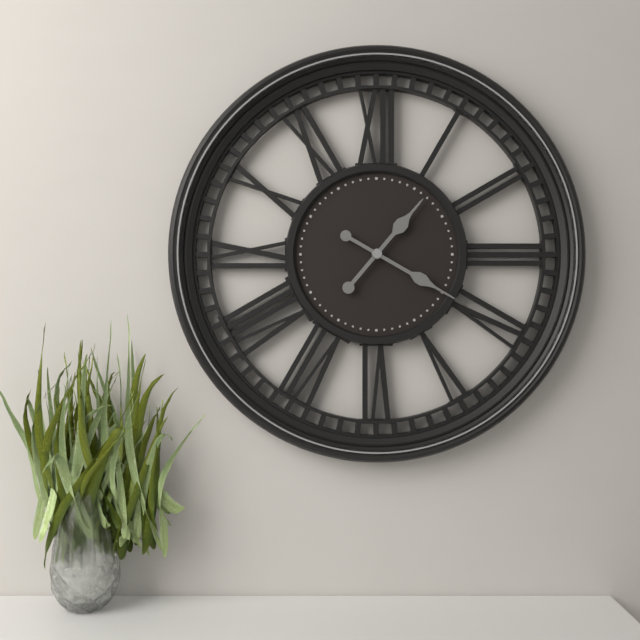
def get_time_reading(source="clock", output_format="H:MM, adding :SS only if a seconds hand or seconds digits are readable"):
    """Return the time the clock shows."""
1:20
